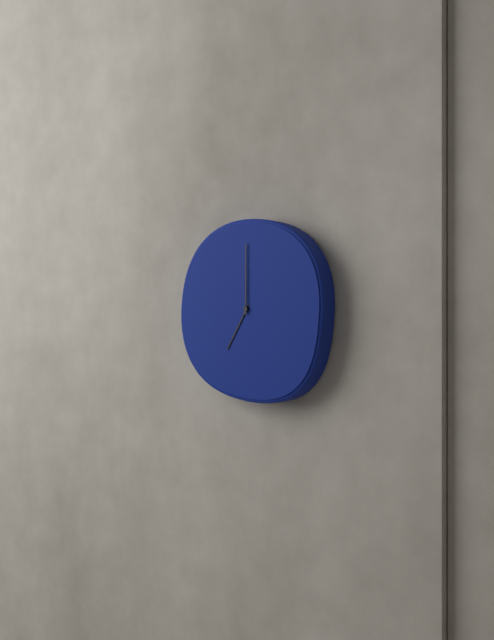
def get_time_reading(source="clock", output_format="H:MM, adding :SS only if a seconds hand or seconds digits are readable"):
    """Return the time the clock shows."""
7:00
